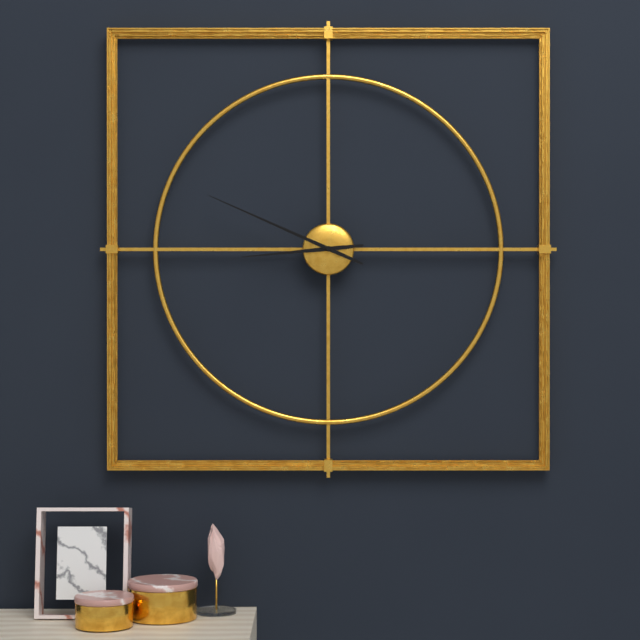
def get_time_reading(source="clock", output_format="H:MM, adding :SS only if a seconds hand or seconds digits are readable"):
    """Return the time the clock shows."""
8:49
